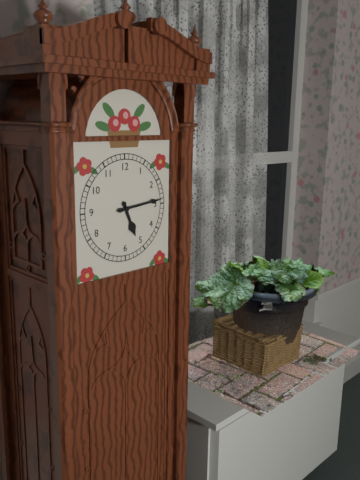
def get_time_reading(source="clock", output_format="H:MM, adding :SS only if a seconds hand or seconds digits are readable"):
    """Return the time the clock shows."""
5:14
